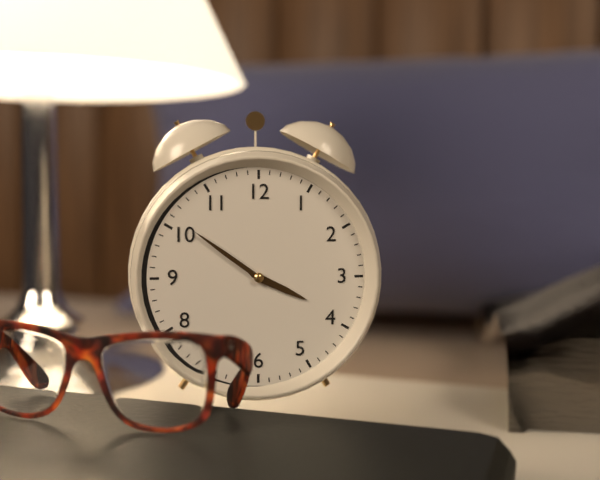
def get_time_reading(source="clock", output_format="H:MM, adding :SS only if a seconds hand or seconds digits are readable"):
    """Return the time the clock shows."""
3:51
